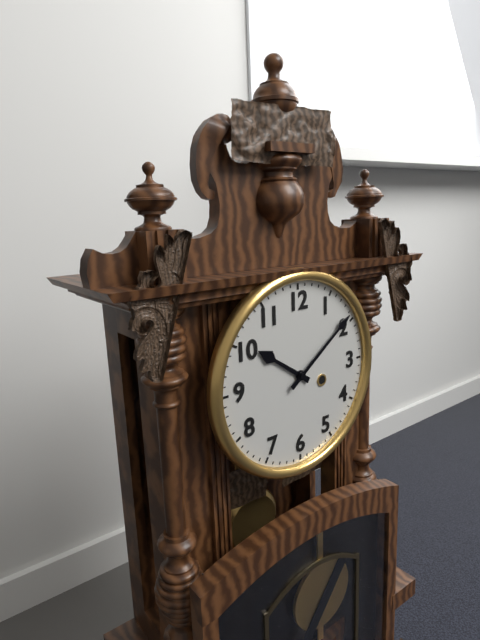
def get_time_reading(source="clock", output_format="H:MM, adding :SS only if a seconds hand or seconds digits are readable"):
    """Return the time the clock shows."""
10:09
